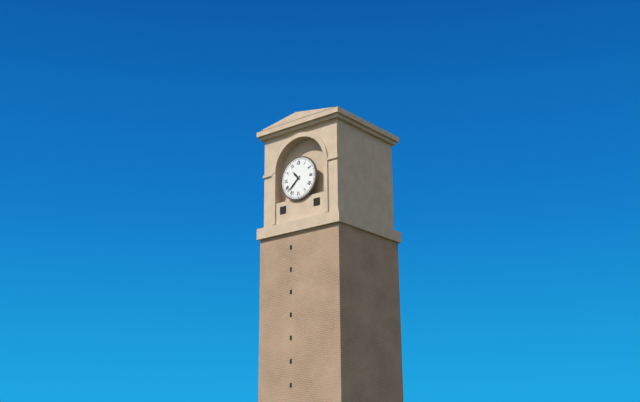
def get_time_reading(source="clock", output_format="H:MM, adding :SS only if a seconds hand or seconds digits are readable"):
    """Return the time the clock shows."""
10:38
